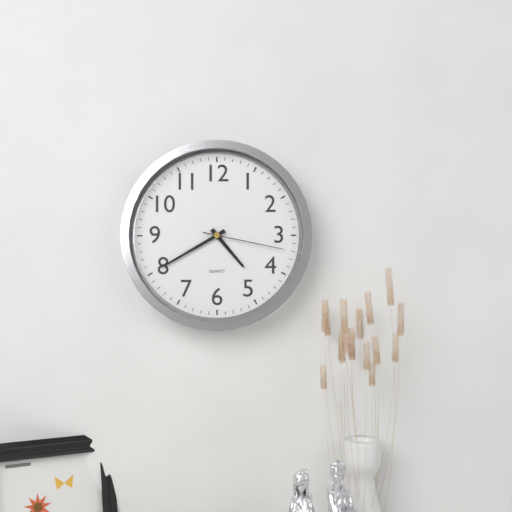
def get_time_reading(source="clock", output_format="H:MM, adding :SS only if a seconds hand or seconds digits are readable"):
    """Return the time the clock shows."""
4:40:17
